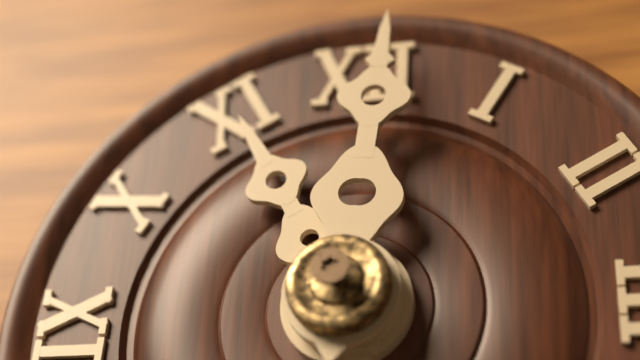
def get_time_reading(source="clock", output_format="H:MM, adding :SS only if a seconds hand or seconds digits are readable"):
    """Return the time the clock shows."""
11:01
